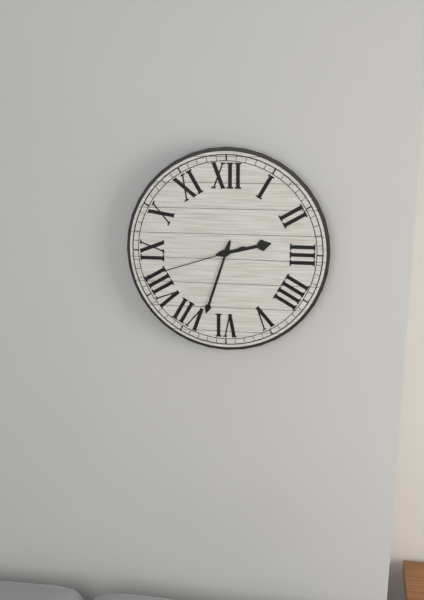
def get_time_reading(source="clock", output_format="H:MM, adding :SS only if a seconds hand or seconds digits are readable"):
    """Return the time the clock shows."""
2:33:42
